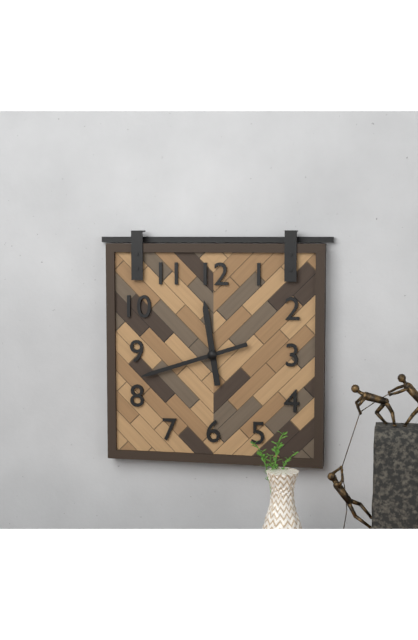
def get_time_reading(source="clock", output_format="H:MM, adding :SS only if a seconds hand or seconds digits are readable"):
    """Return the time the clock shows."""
11:42
